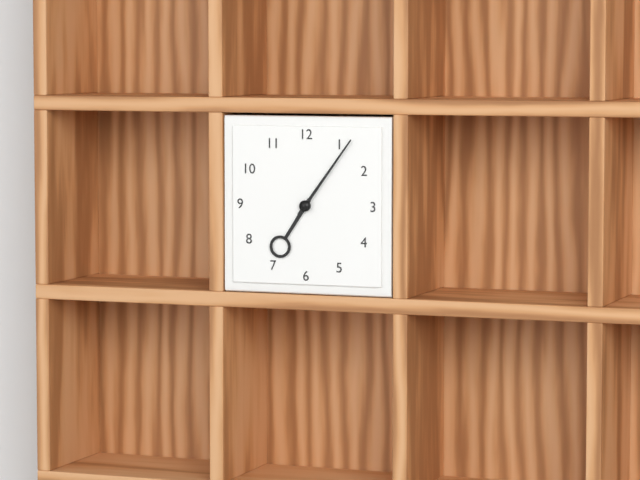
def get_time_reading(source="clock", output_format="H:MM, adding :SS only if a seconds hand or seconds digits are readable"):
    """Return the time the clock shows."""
7:06
